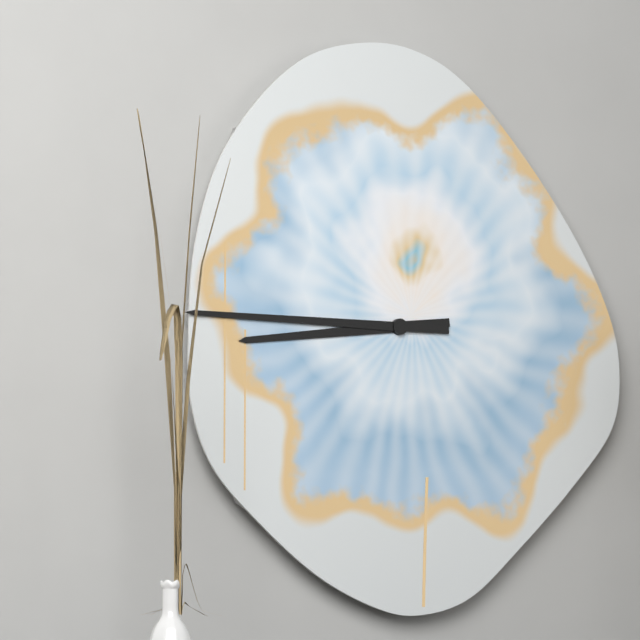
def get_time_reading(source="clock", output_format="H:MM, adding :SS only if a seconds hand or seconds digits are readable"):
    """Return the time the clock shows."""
8:45
